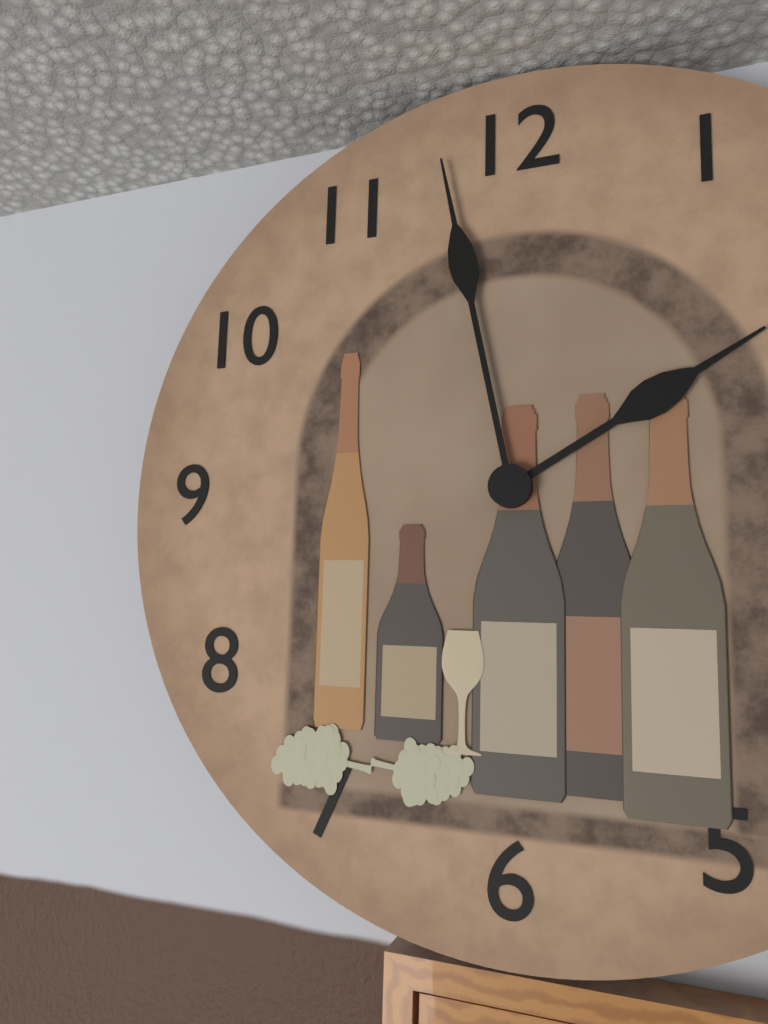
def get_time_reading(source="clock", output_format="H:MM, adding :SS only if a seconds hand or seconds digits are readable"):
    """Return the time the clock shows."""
1:58
